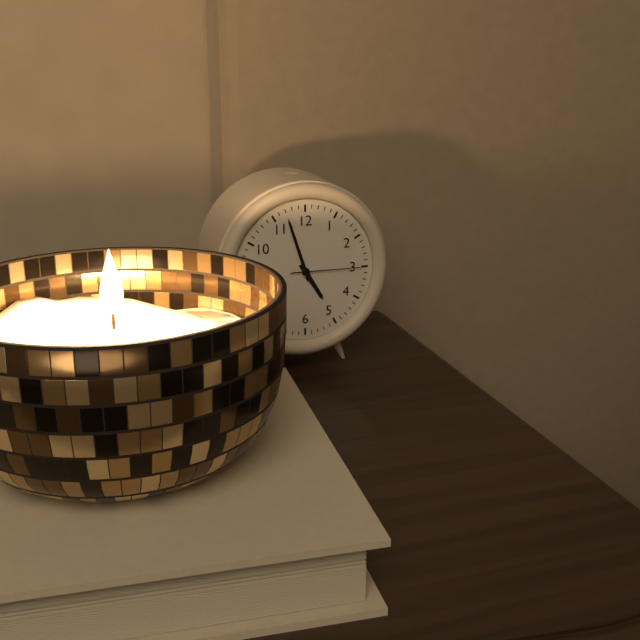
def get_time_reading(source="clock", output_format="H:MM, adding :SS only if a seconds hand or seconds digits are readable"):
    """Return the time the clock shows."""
4:57:15
